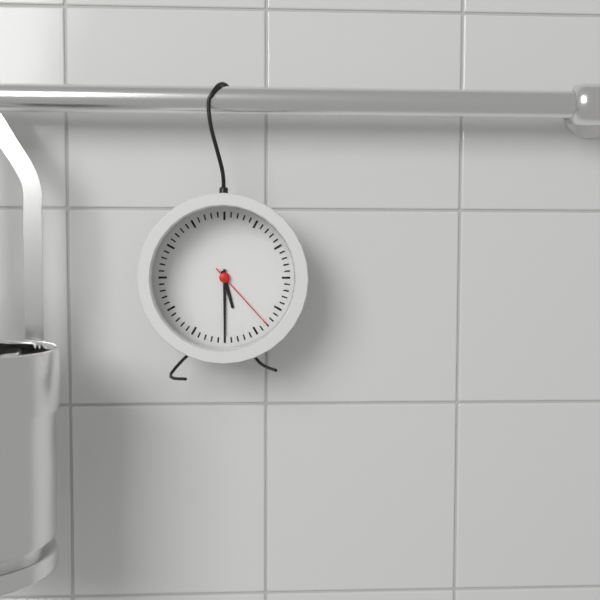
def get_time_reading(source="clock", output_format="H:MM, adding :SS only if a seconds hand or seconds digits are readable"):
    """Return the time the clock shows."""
5:30:23
